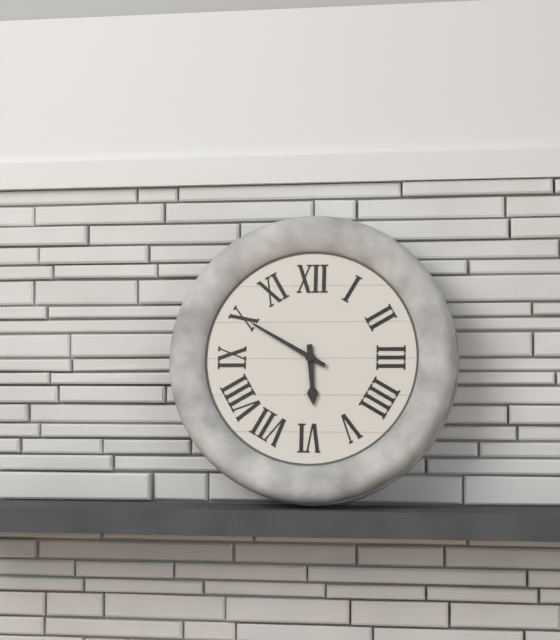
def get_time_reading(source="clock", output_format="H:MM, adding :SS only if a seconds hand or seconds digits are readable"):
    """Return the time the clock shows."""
5:50
